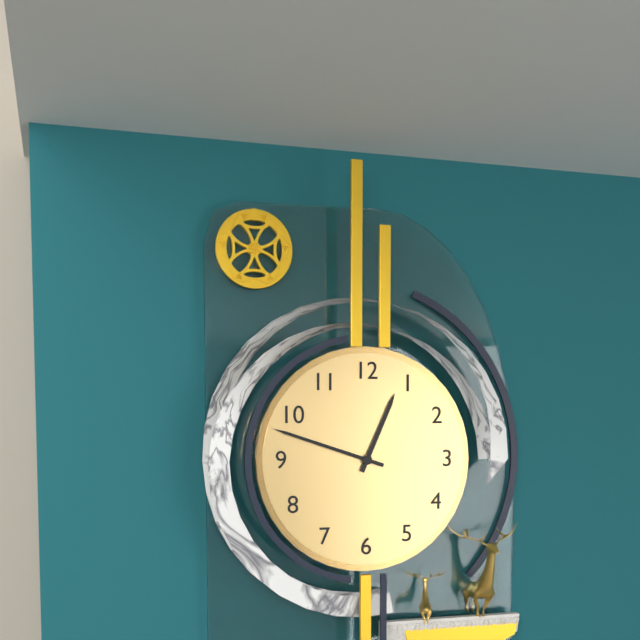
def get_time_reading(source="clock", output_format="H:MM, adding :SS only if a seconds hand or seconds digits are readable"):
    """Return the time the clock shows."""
12:48
